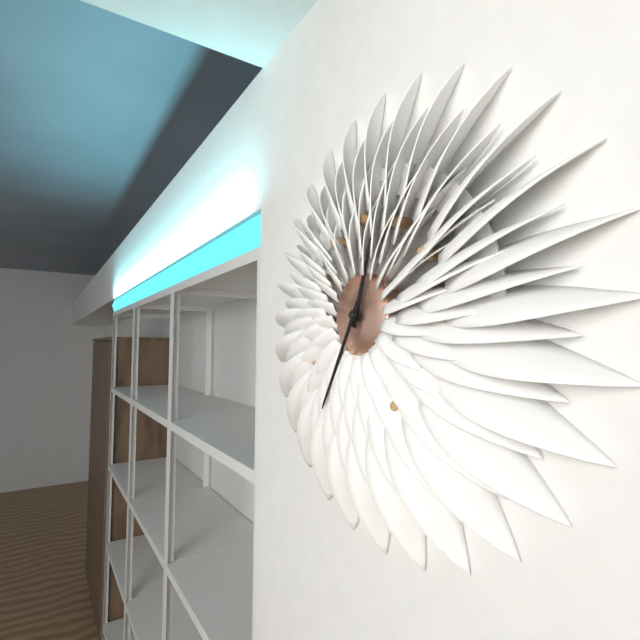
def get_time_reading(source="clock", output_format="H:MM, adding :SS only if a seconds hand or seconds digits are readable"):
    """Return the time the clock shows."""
12:35
